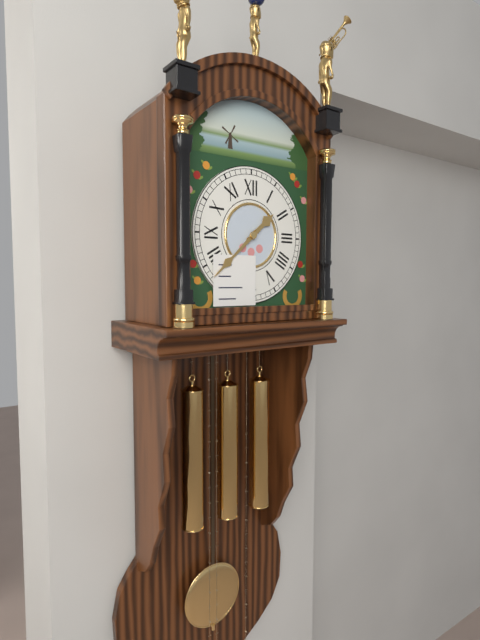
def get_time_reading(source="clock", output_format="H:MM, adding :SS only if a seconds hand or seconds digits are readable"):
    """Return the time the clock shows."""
1:38
